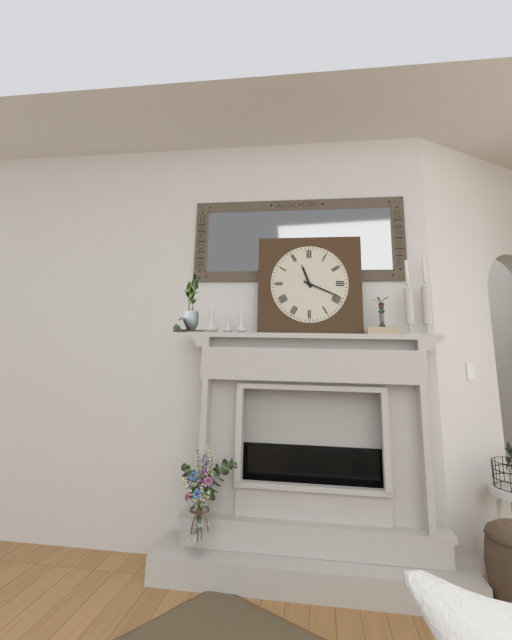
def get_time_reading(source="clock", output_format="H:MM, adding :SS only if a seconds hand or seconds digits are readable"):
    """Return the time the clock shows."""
11:19
